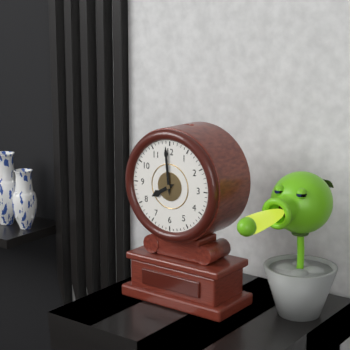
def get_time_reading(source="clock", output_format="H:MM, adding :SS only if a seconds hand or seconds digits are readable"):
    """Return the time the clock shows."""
7:59
